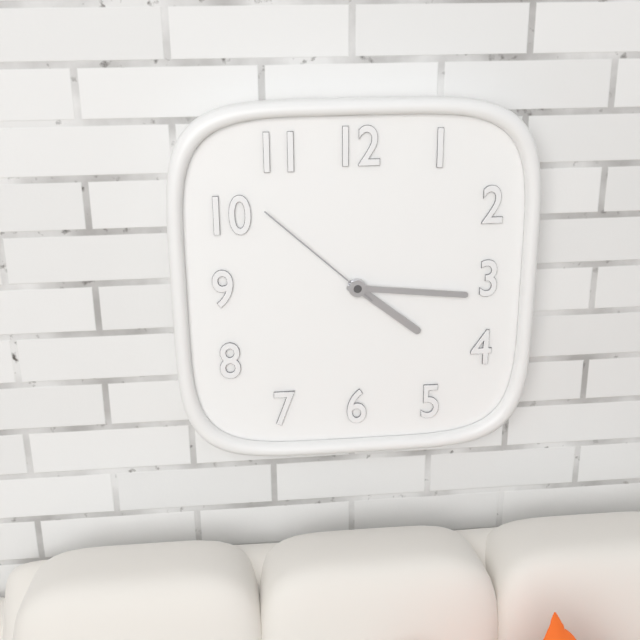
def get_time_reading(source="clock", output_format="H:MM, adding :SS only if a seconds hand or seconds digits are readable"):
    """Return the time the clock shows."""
4:16:52
